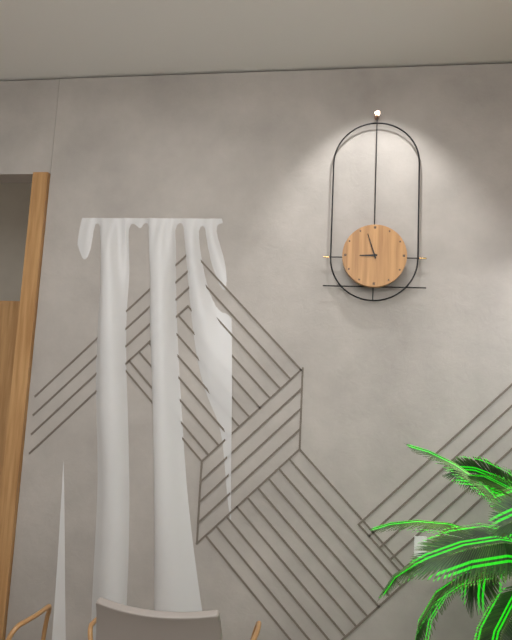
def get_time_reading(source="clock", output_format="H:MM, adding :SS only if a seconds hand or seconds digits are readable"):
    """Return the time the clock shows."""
8:57
